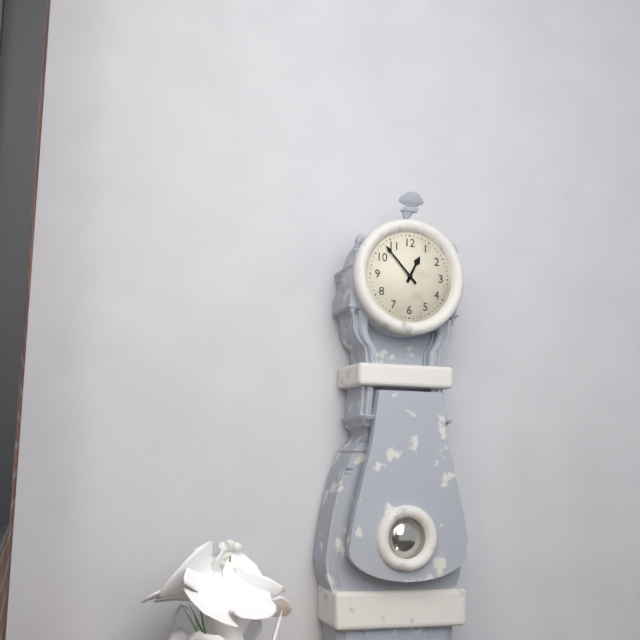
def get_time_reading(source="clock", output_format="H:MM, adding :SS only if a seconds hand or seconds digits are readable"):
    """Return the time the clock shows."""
12:53
